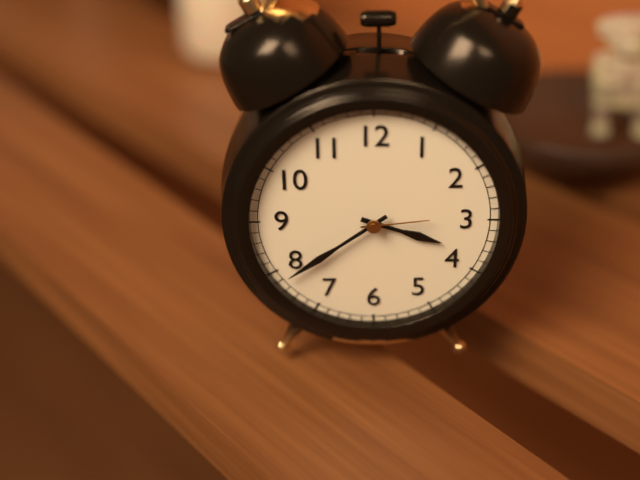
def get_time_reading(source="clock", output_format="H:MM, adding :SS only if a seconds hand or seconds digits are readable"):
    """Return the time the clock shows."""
3:39:14
